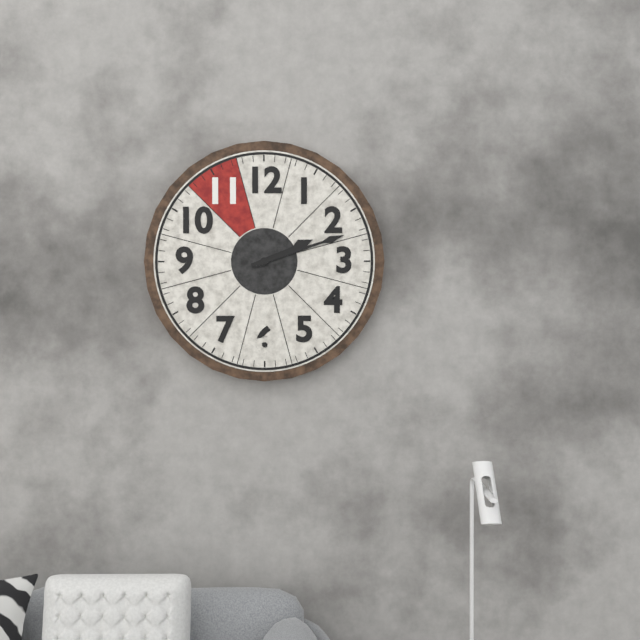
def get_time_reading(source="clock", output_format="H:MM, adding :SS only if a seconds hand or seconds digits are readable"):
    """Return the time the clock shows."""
2:12
